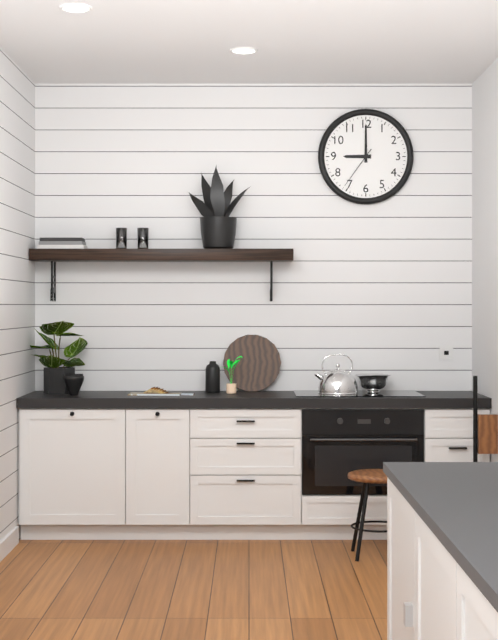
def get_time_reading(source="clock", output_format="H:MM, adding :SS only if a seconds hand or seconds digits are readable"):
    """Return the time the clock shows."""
9:00
